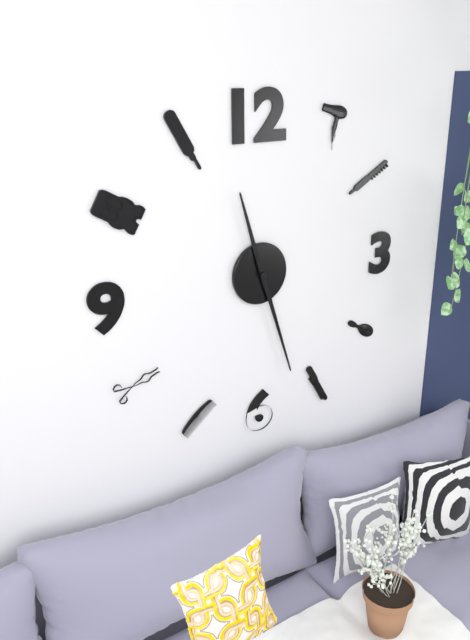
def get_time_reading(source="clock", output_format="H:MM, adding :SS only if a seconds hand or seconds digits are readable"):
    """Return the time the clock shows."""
11:27
